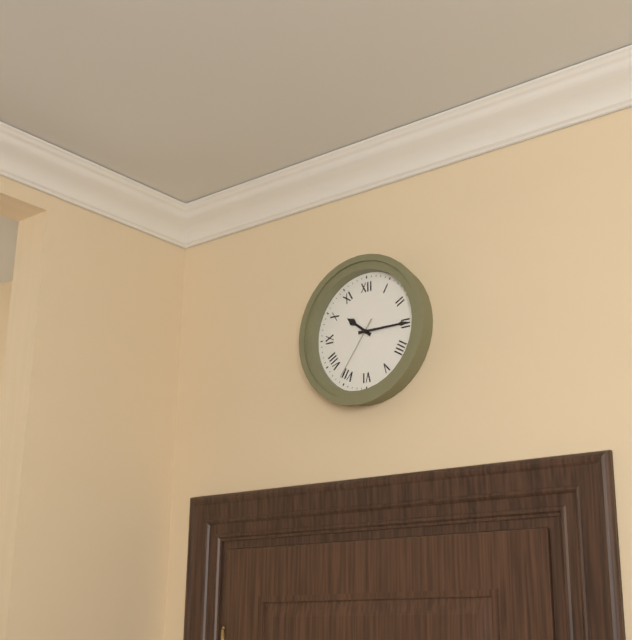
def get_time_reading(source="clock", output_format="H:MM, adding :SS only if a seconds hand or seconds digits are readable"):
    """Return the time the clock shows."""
10:15:36
